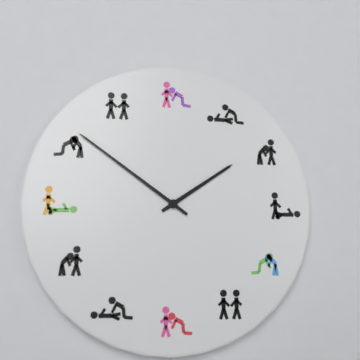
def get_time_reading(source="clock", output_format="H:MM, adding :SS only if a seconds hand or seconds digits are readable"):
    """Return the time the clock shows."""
1:51
